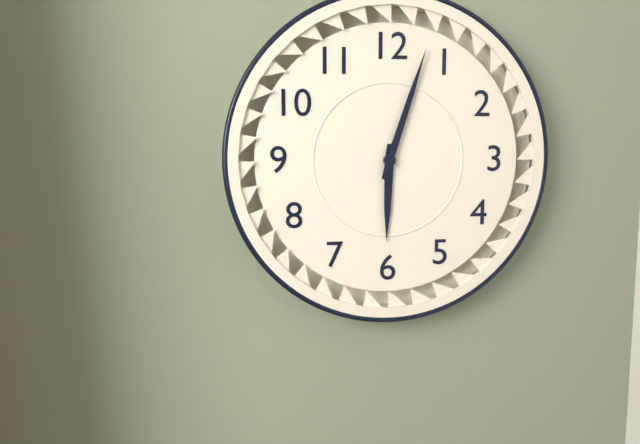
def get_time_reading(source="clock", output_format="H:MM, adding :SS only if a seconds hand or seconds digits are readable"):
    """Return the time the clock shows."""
6:03
